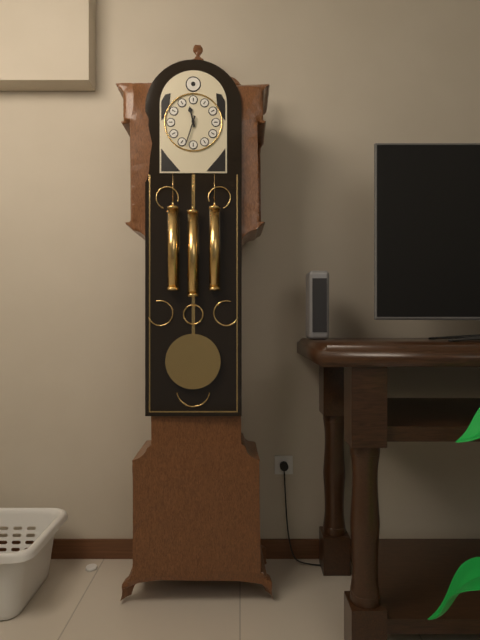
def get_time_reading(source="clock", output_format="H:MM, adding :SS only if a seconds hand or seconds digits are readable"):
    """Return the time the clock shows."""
11:33
